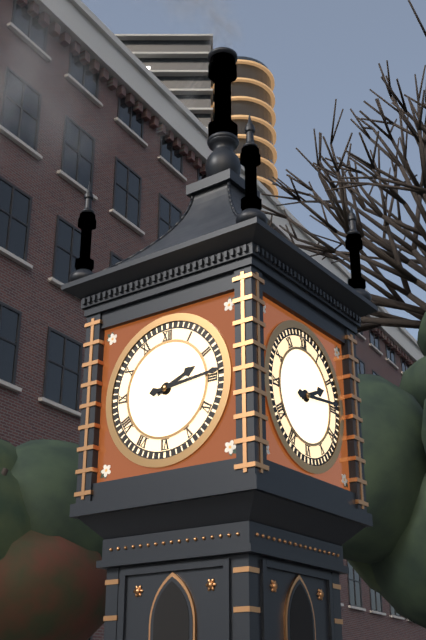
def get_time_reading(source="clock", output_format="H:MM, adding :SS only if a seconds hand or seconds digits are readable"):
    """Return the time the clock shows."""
2:14
